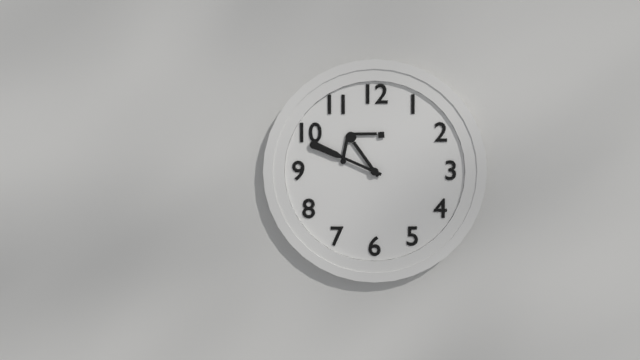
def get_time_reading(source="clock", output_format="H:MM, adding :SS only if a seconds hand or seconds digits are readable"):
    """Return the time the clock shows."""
10:49
